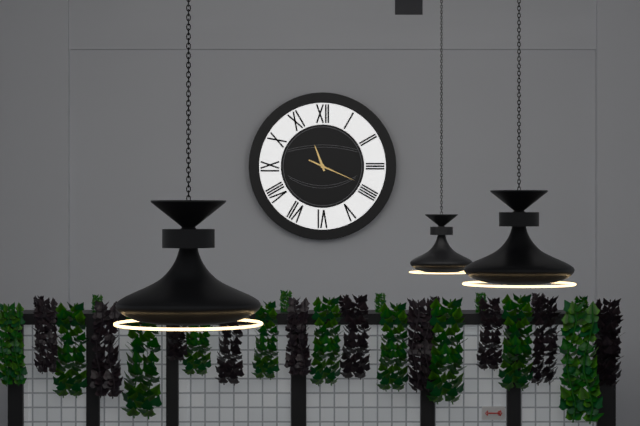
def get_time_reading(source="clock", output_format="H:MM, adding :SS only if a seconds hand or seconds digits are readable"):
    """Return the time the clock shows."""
11:19
